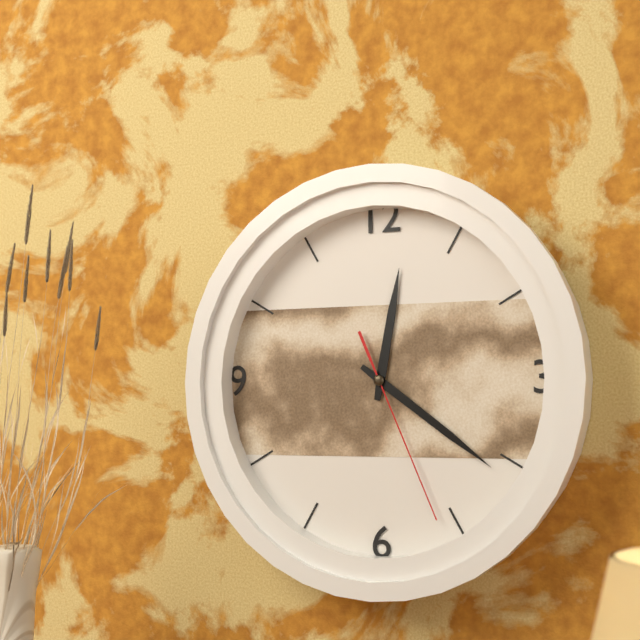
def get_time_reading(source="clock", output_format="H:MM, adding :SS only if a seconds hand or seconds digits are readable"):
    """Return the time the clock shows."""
12:21:26
